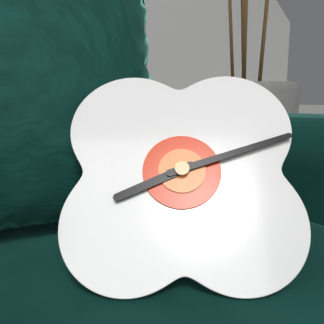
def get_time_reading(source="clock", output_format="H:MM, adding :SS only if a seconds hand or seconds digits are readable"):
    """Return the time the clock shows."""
8:12
